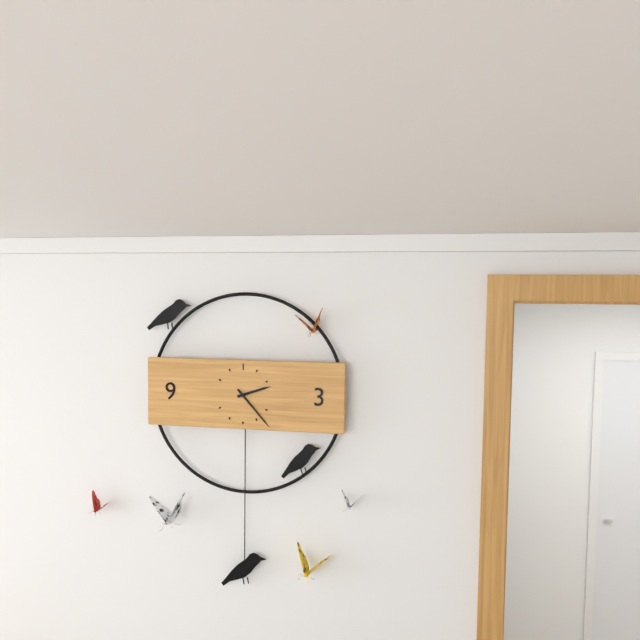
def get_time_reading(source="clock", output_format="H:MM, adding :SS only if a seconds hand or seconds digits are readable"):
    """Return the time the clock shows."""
2:23
